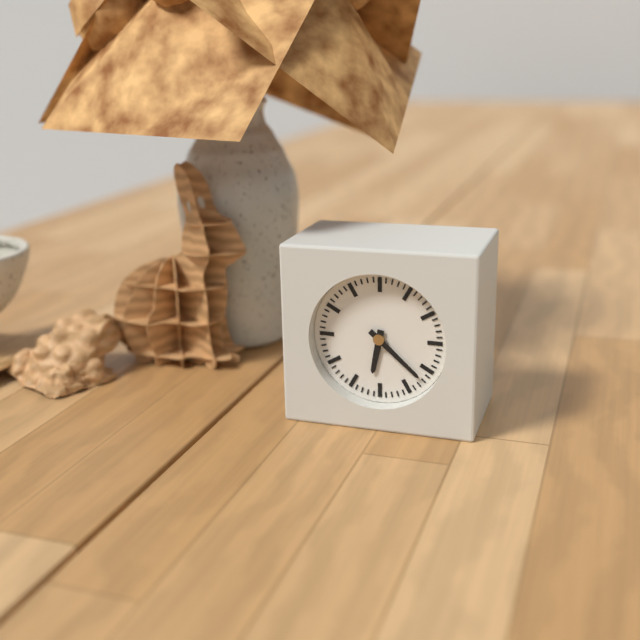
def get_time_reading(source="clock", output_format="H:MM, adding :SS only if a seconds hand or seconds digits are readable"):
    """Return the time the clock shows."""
6:22
